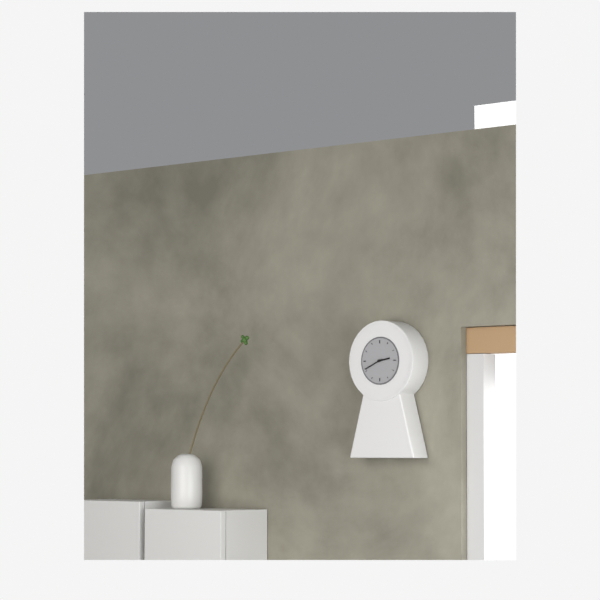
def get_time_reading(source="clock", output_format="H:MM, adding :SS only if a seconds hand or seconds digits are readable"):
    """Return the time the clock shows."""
2:41
